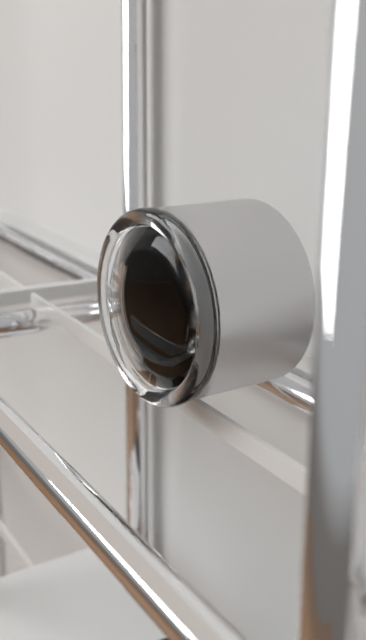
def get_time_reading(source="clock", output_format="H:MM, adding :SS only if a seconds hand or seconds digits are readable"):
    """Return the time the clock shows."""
2:10
